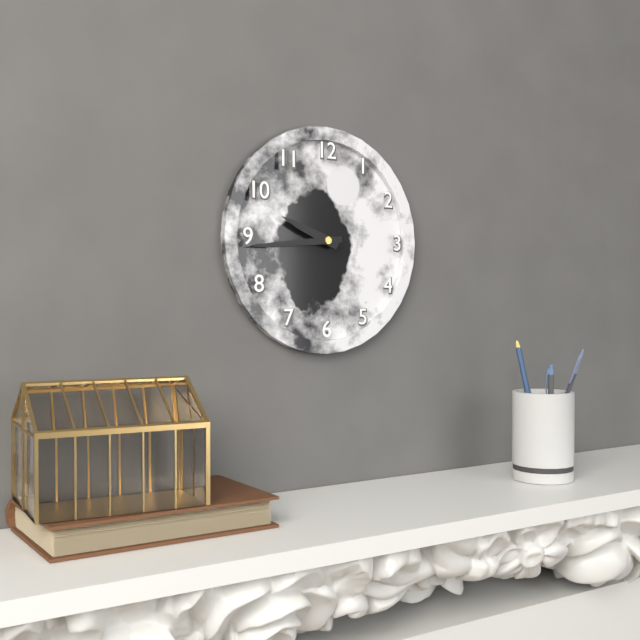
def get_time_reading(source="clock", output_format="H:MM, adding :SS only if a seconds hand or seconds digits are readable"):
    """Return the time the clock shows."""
9:44
